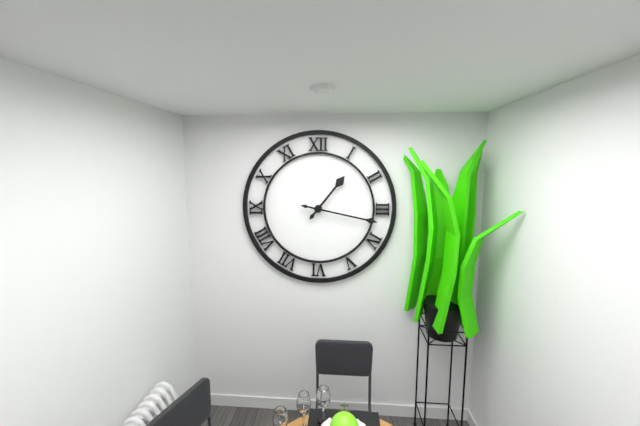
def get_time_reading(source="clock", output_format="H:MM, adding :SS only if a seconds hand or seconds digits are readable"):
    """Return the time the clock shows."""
1:17
